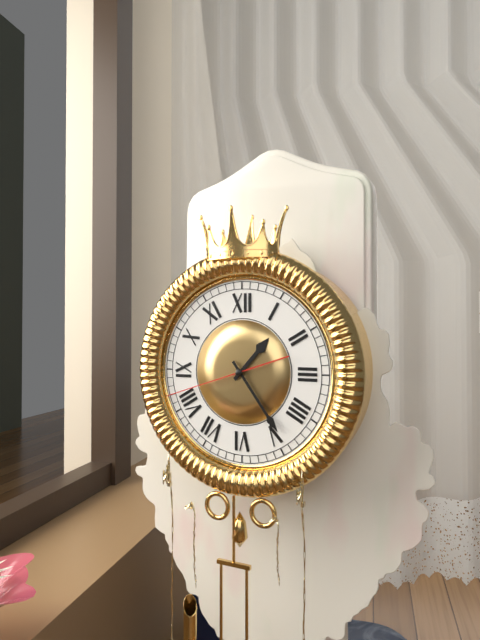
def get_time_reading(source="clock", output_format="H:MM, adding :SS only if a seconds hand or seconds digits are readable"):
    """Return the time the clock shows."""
1:24:42
